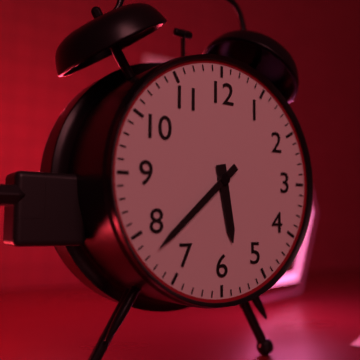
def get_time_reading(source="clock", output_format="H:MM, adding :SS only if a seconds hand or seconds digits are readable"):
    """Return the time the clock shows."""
5:38
